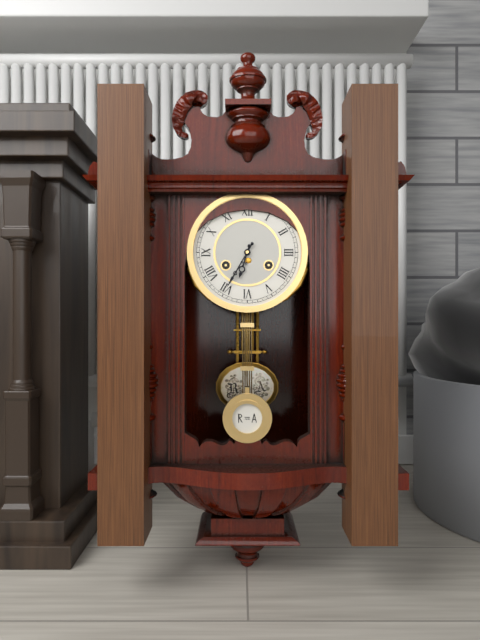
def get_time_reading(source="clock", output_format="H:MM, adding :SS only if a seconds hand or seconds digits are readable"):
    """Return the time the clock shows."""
6:35
